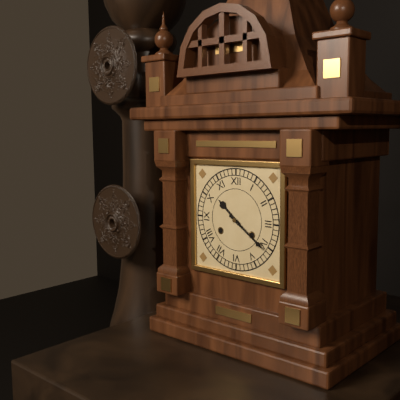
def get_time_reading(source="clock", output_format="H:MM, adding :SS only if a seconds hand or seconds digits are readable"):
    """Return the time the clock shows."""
10:21
